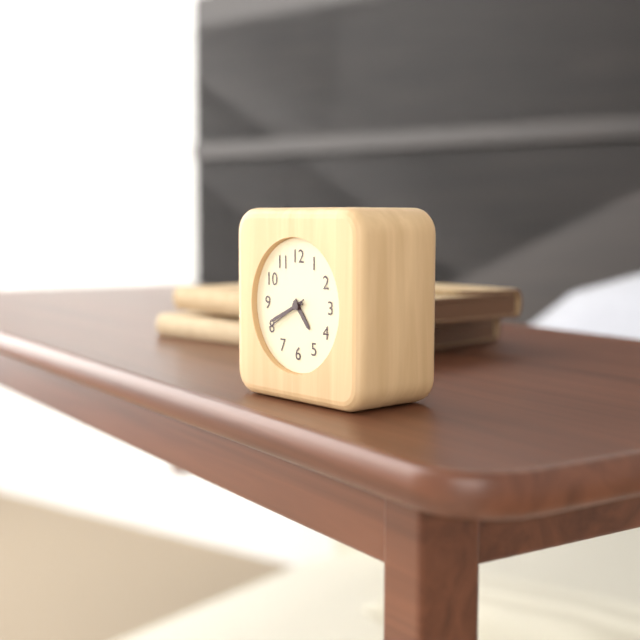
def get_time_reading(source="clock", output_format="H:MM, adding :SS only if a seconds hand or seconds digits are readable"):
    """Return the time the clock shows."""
4:41
